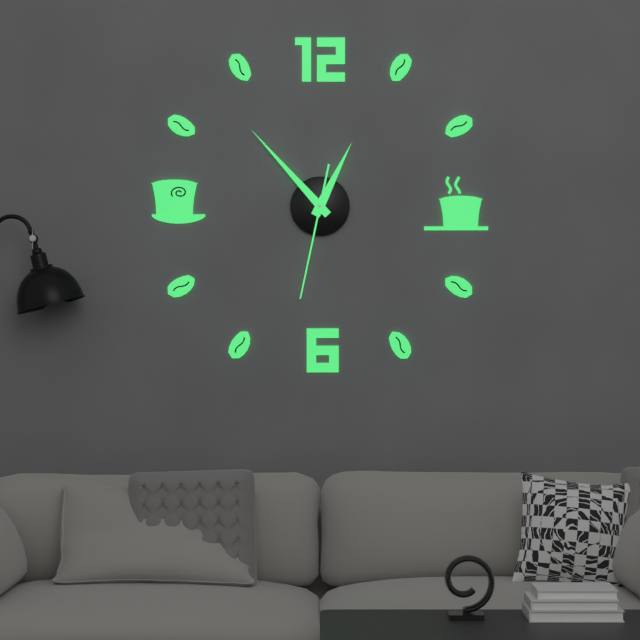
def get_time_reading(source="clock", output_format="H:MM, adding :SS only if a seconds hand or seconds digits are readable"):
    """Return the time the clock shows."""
12:53:32
